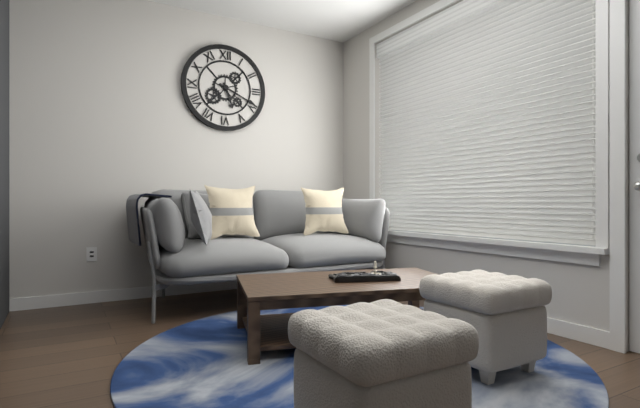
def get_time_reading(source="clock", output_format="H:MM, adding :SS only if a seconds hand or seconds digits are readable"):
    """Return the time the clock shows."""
5:19
